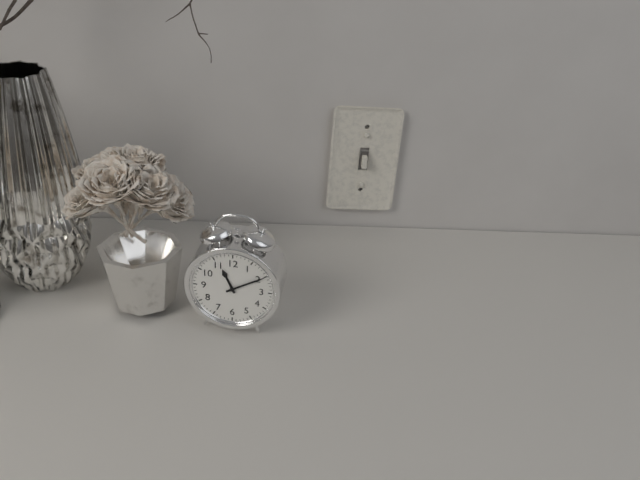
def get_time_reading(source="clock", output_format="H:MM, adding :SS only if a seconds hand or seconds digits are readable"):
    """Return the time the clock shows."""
11:10
